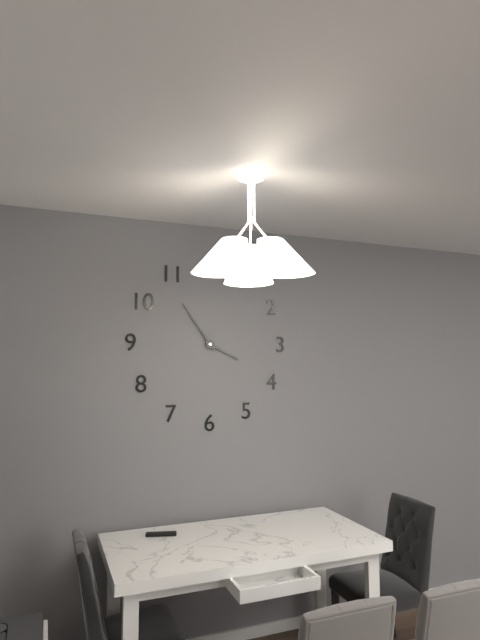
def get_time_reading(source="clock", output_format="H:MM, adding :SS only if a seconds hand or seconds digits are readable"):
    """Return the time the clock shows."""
3:54
